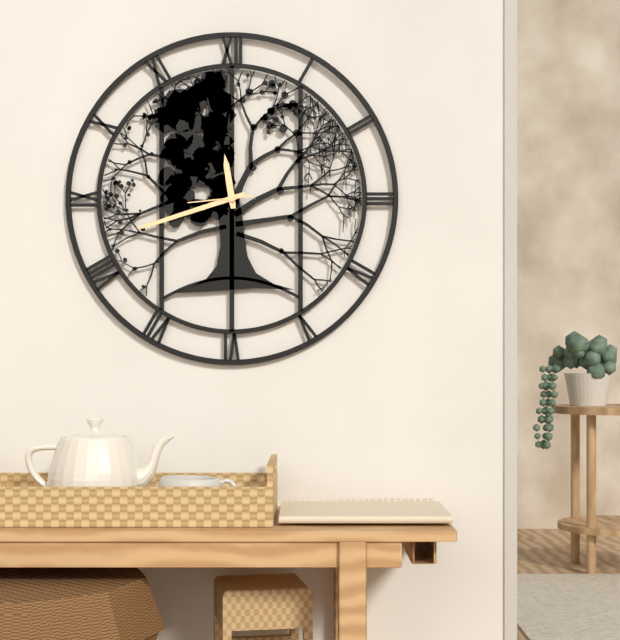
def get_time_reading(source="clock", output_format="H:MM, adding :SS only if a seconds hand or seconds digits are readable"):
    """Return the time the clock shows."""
11:42:44
